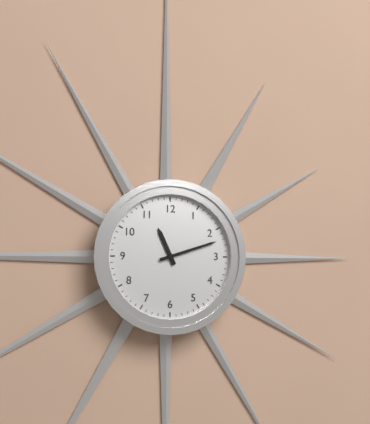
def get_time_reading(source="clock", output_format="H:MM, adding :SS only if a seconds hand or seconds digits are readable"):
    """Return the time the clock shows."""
11:12
